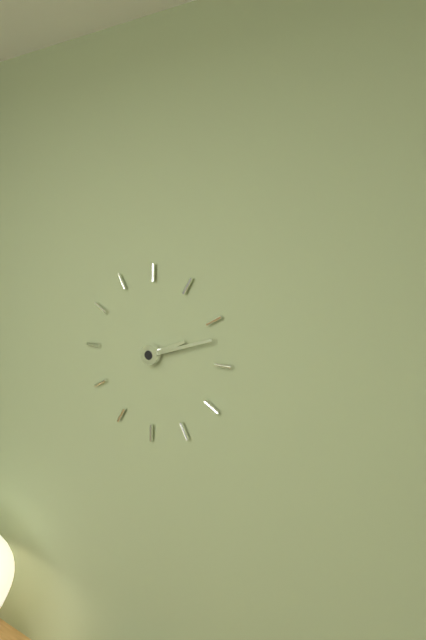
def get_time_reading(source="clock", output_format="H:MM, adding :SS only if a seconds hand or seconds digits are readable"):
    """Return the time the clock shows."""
2:12
